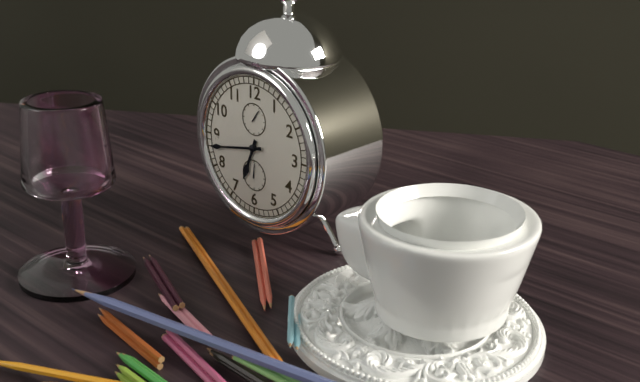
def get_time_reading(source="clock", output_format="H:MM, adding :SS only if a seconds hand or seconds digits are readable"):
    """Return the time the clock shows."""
6:43
